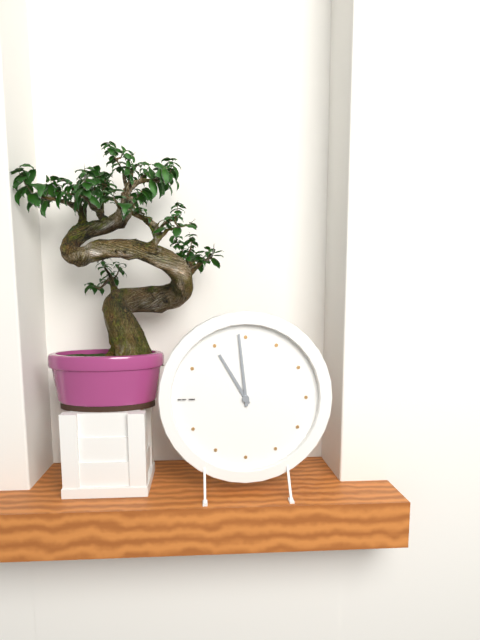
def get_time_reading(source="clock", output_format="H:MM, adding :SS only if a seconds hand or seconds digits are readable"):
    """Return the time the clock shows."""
10:59
